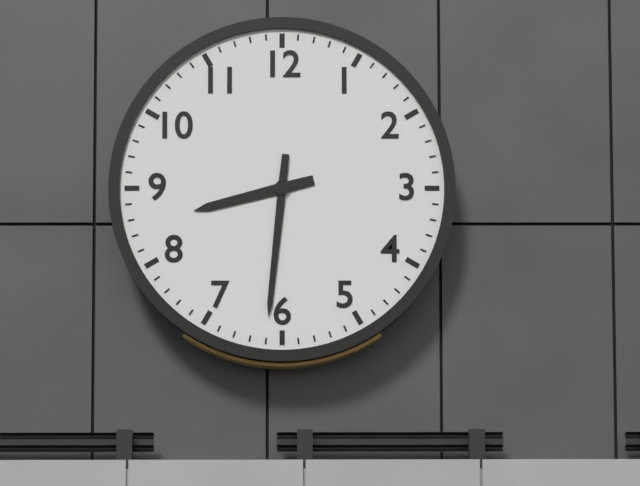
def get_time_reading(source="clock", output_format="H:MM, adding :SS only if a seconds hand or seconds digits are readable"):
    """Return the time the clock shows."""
8:31
